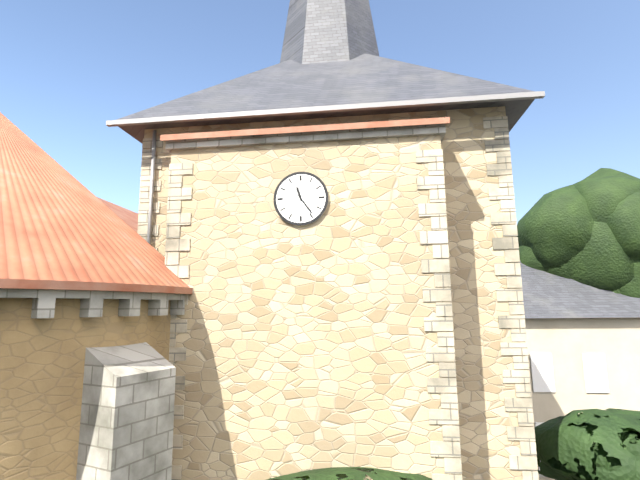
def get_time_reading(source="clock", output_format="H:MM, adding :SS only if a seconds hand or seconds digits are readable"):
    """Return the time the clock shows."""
11:24
